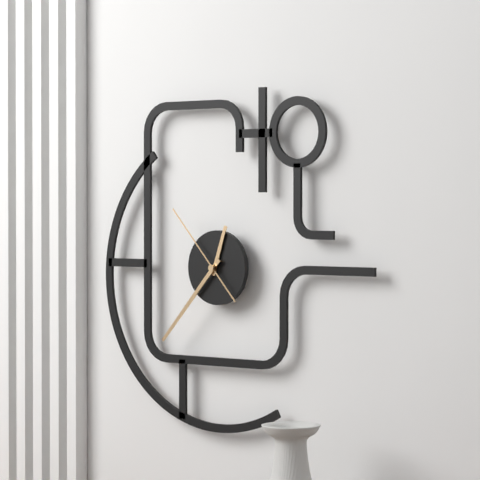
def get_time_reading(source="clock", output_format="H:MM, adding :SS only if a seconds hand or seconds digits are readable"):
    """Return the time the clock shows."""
12:37:53
